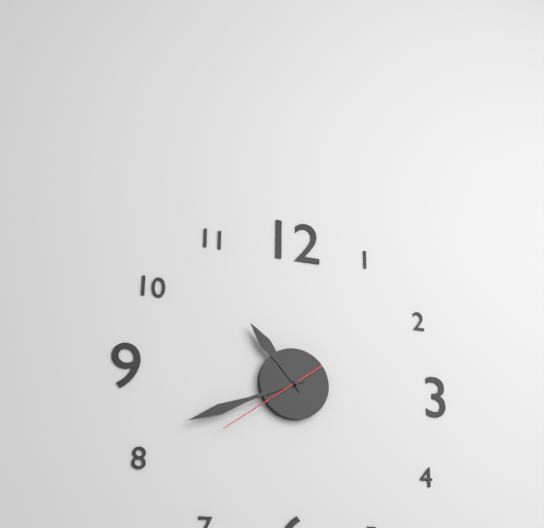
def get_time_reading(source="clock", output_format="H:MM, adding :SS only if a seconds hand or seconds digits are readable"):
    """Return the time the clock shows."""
10:41:39
